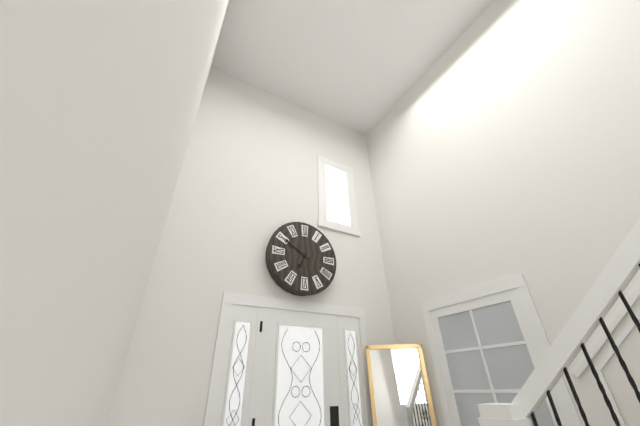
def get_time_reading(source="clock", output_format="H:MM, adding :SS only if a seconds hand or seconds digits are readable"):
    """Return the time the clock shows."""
6:50
